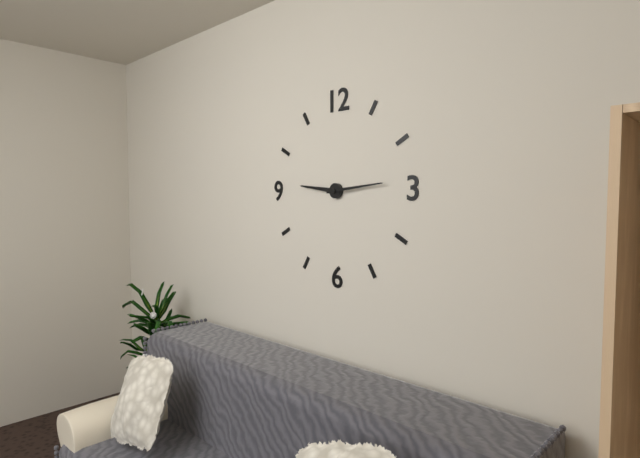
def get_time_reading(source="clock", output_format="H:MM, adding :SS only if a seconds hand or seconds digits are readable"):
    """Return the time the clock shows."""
9:14
